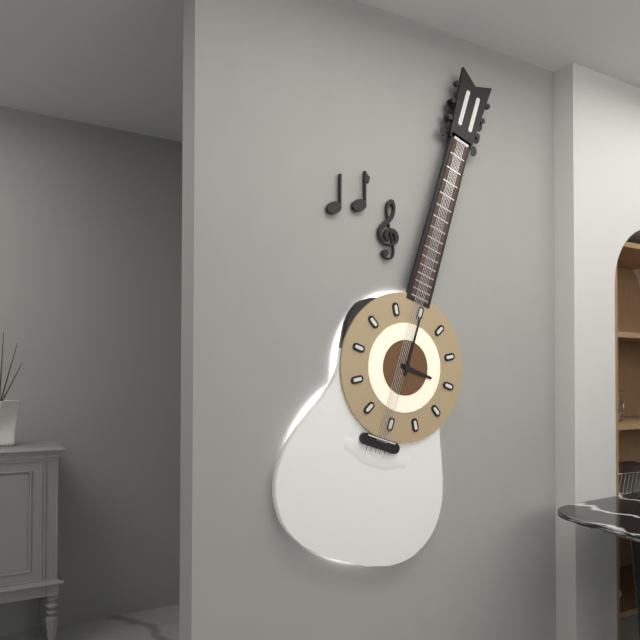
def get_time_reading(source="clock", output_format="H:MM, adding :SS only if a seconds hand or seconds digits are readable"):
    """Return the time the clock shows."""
3:00
